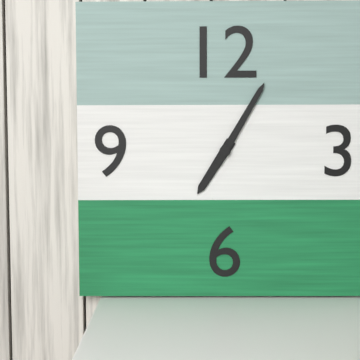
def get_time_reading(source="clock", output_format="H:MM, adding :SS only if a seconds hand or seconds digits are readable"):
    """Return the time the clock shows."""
7:05
